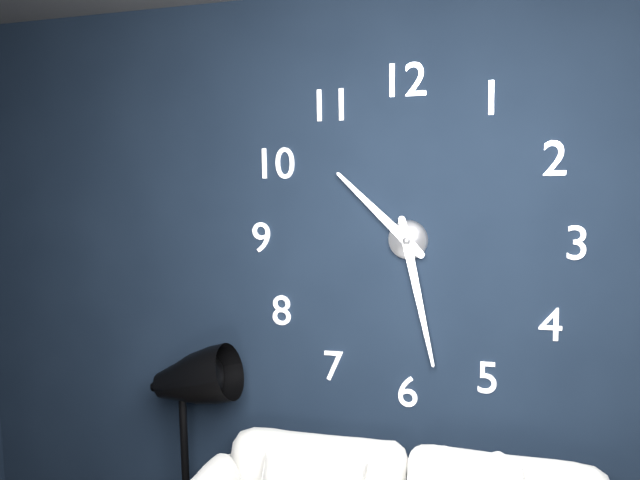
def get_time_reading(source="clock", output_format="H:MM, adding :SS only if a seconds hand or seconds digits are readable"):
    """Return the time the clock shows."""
10:28
